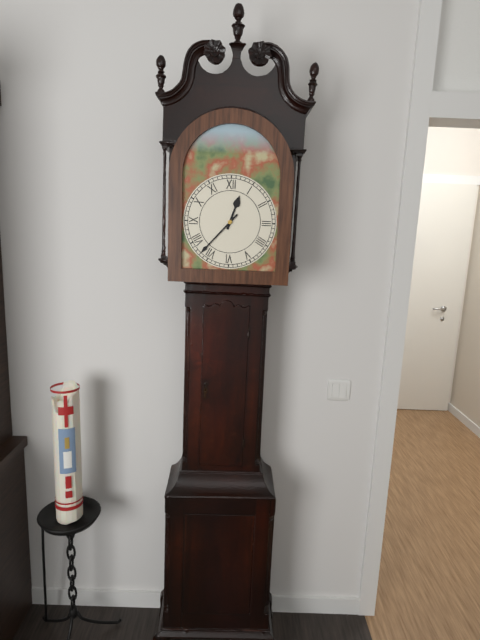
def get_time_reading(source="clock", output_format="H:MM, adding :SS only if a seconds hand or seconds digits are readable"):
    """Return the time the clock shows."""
12:37
